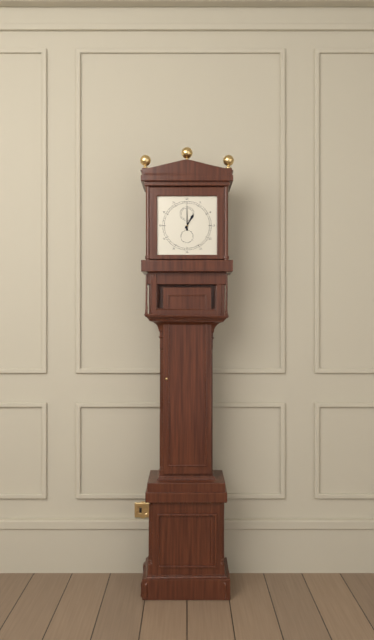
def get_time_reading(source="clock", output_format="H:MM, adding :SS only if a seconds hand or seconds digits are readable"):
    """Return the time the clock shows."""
1:00
